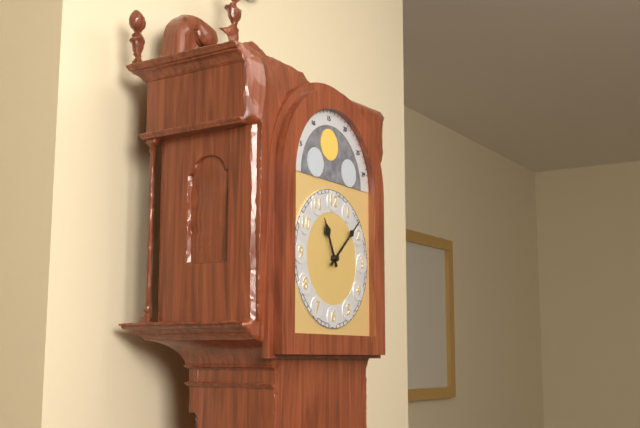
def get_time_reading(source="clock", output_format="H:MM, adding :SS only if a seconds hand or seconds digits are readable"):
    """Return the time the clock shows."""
11:08
